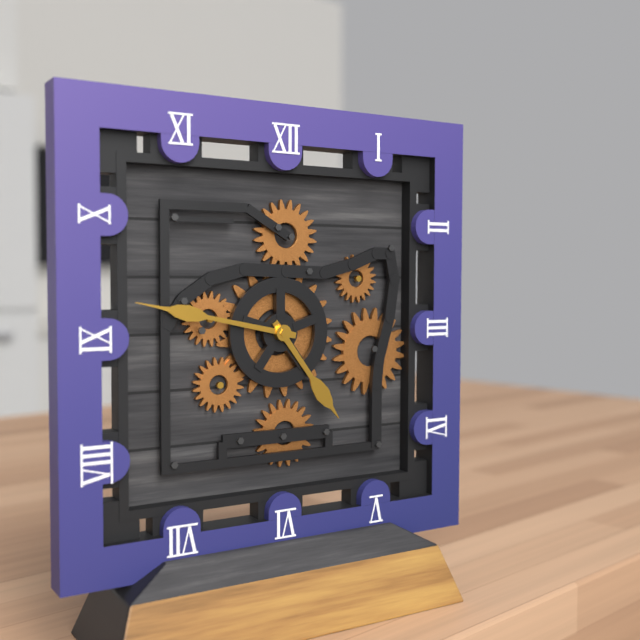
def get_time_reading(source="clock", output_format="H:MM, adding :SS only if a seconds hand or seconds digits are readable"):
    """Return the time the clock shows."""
4:47
